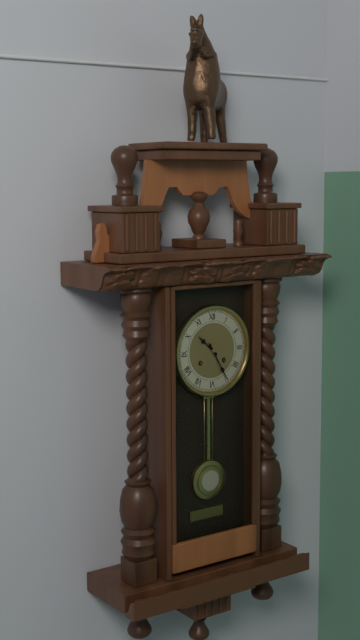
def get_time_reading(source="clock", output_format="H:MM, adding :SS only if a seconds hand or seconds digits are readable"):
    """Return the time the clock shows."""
10:25
